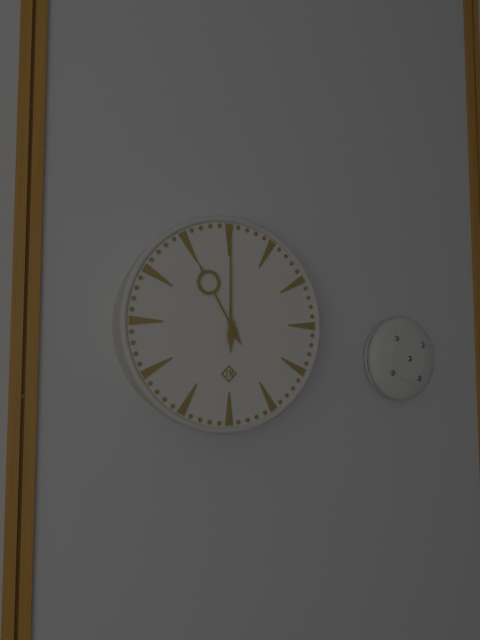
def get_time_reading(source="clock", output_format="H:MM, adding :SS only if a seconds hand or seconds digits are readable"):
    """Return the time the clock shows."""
11:00
